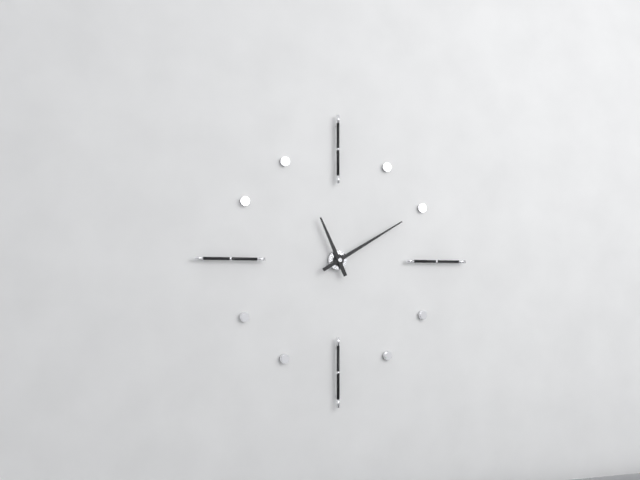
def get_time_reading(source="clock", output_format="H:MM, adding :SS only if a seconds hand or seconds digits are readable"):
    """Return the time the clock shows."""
11:10
